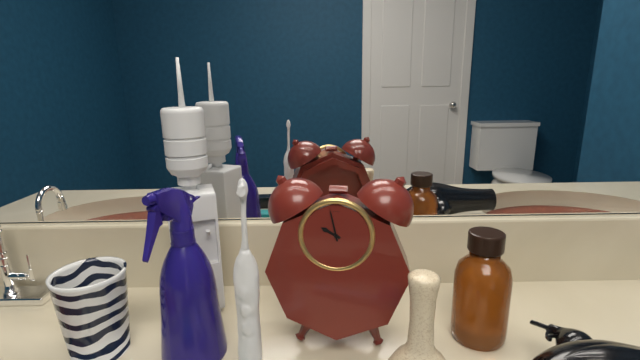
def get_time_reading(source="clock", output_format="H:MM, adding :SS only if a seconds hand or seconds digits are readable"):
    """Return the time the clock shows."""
9:58
